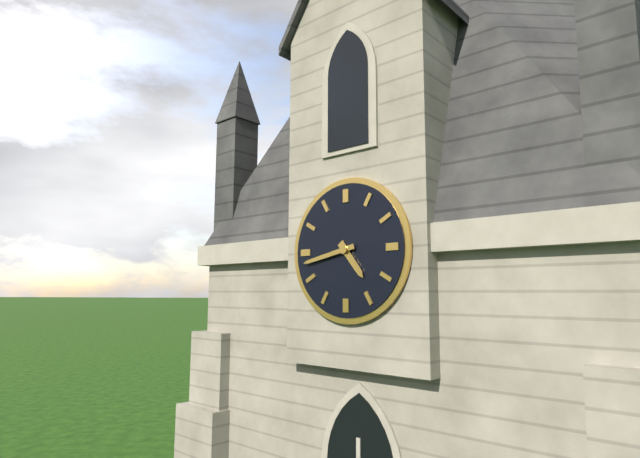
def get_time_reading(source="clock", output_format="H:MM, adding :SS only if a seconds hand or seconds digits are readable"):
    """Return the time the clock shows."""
4:43
